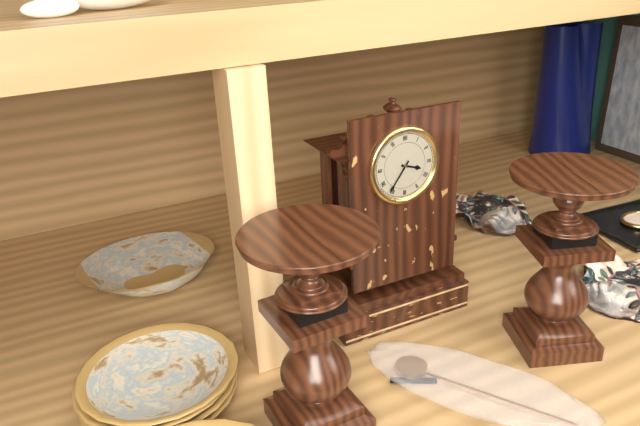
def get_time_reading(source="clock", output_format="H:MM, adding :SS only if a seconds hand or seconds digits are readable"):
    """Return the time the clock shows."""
3:36
